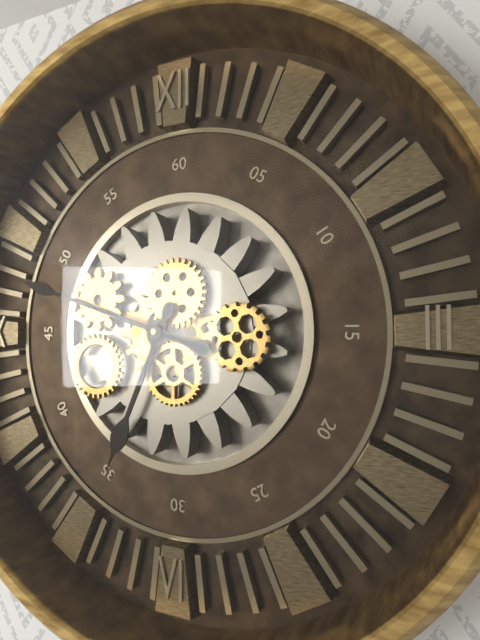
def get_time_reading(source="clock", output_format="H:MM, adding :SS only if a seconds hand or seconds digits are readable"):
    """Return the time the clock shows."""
6:48
